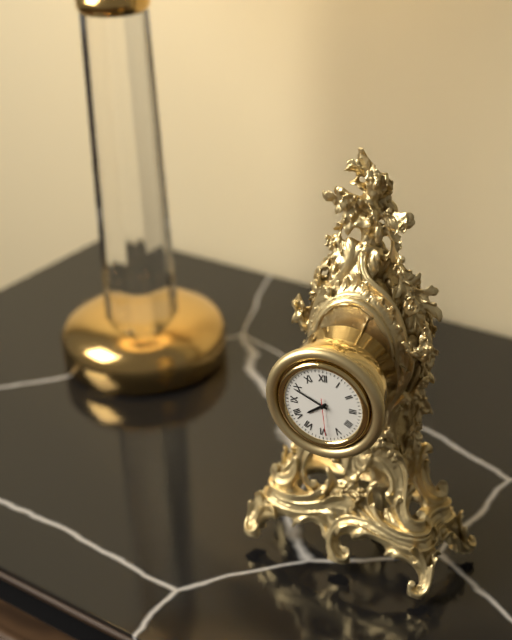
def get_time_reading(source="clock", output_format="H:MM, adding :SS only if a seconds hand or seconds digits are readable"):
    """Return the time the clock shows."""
7:49
